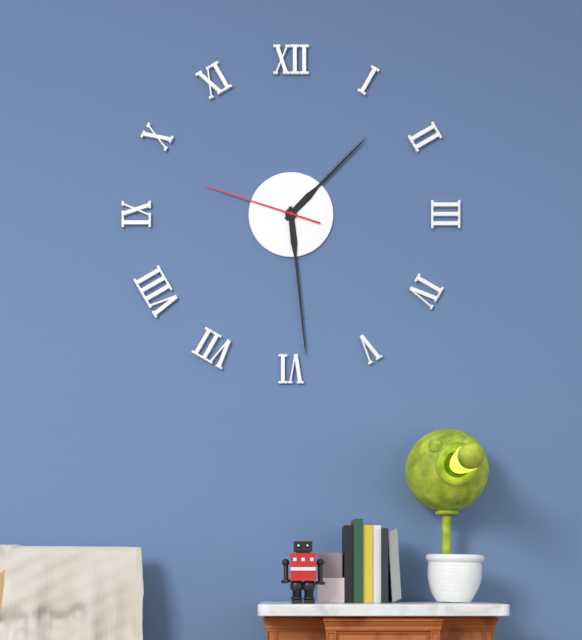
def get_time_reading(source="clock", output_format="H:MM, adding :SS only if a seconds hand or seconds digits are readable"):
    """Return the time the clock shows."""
1:29:48
